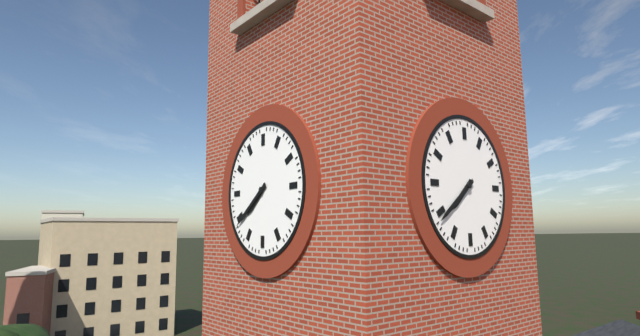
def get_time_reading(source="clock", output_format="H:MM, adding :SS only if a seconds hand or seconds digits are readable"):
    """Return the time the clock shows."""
7:39
